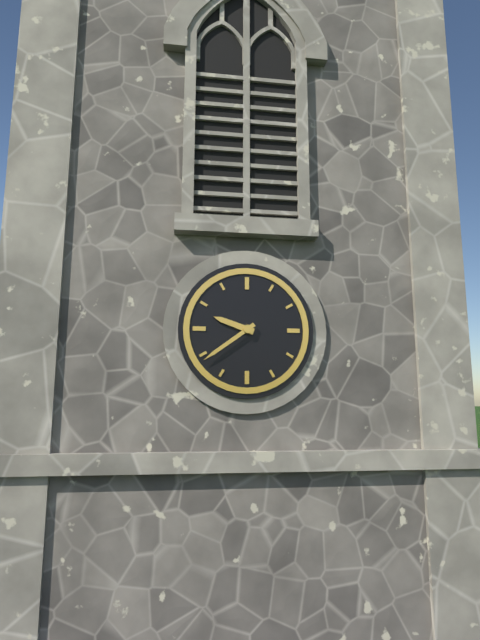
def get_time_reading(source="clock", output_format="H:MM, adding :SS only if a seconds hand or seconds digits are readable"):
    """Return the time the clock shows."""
9:39
